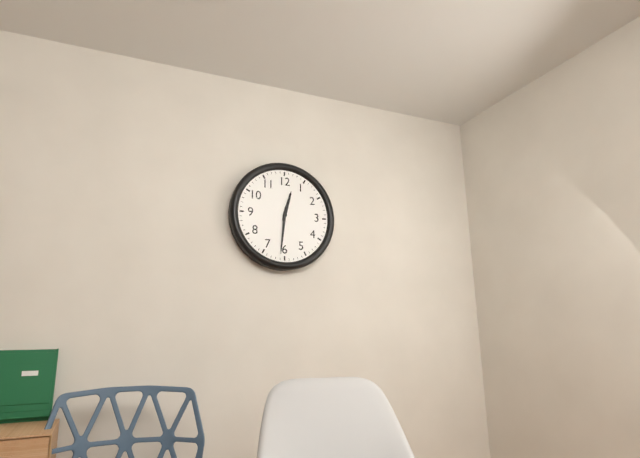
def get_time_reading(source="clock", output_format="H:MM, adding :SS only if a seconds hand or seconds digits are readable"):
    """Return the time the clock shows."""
12:31
